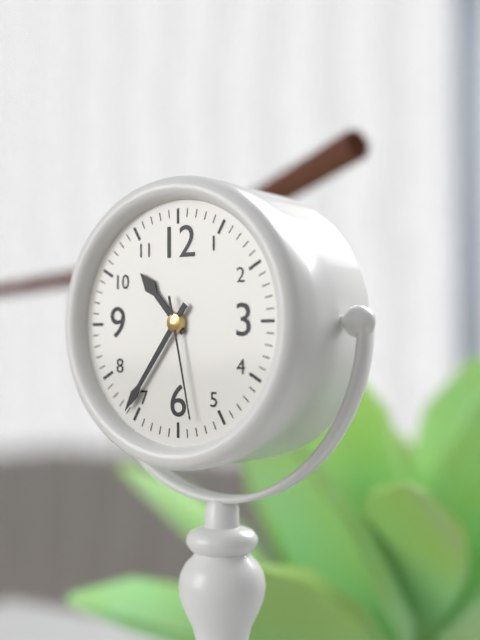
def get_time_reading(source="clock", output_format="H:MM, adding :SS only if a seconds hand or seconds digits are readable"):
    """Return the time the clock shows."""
10:36:28
